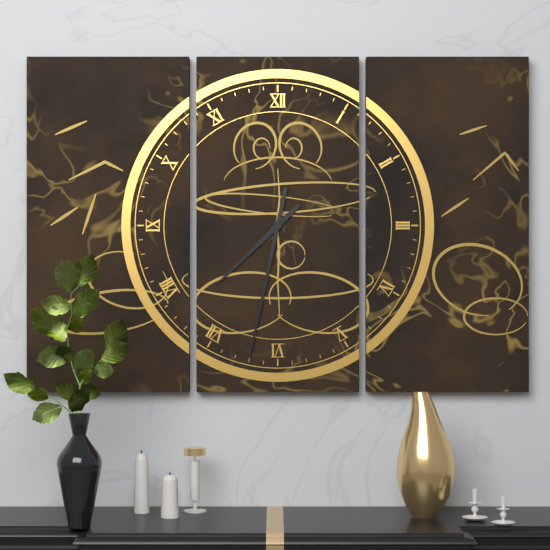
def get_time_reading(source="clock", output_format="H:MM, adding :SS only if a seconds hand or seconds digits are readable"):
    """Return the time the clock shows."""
7:32
